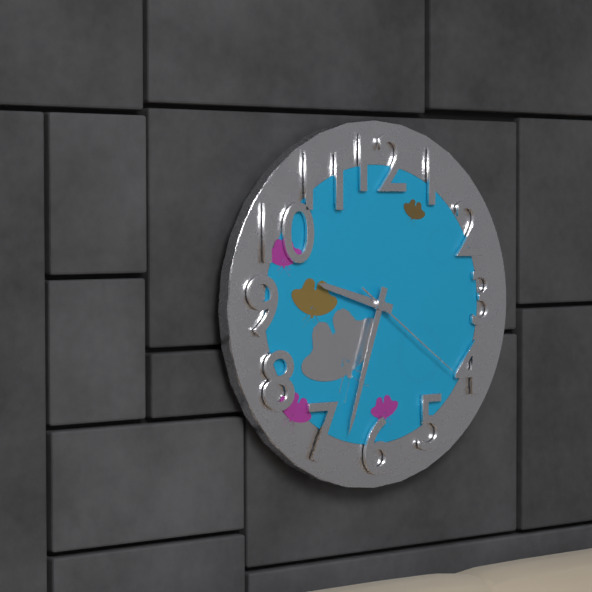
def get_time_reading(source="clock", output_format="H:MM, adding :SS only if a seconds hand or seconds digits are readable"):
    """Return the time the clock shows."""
9:33:21
